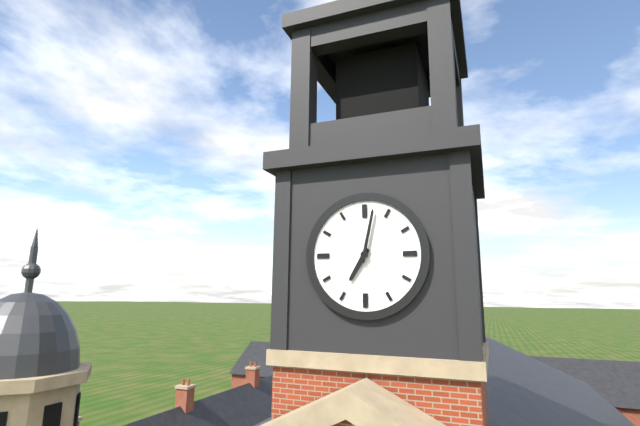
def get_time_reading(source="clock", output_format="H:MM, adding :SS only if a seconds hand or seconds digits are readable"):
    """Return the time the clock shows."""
7:02
